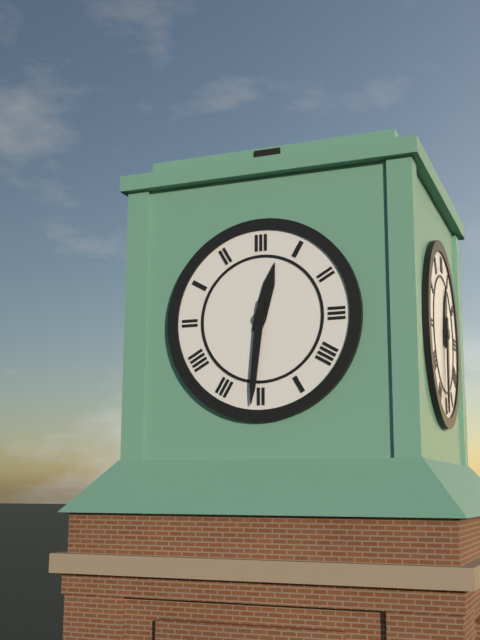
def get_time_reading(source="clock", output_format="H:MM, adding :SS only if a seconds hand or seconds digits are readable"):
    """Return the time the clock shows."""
12:31
